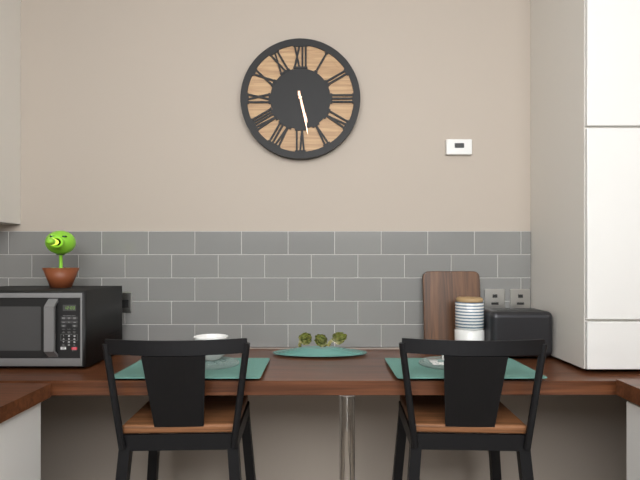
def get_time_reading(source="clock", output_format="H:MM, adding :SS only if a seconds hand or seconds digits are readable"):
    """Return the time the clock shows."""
5:28
